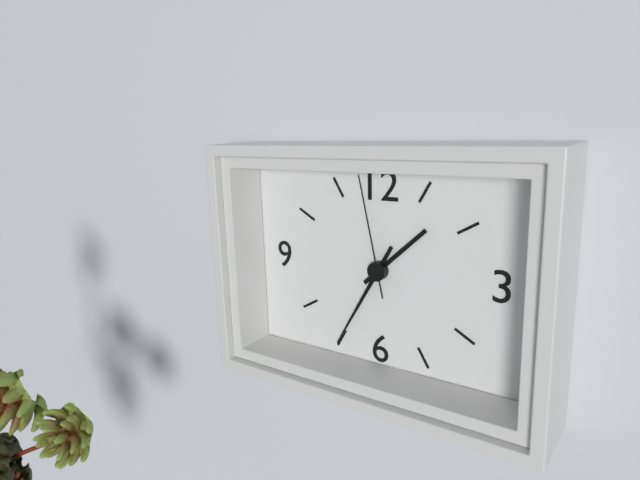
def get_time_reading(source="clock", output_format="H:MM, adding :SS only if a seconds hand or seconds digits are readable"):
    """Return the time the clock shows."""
1:35:58
